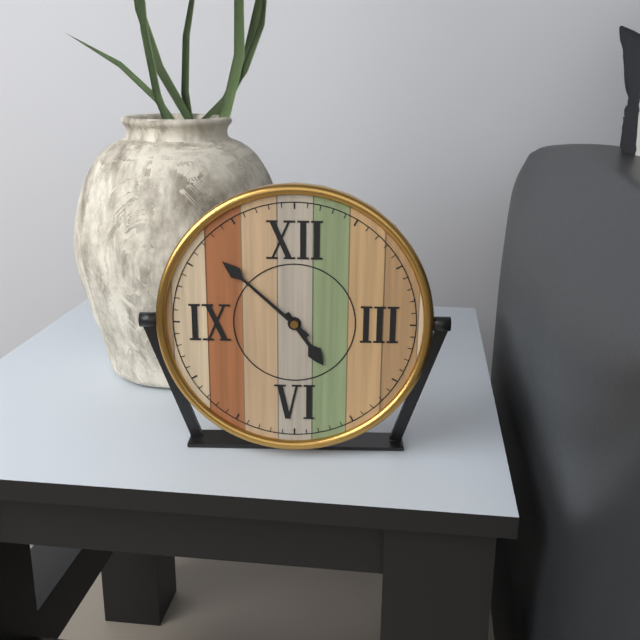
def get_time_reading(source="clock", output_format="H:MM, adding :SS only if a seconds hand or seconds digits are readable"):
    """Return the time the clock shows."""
4:52
